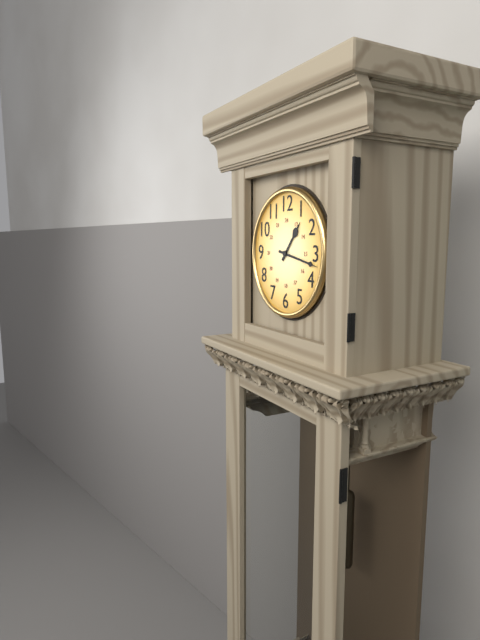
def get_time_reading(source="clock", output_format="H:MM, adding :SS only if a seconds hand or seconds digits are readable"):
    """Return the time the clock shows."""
1:17
